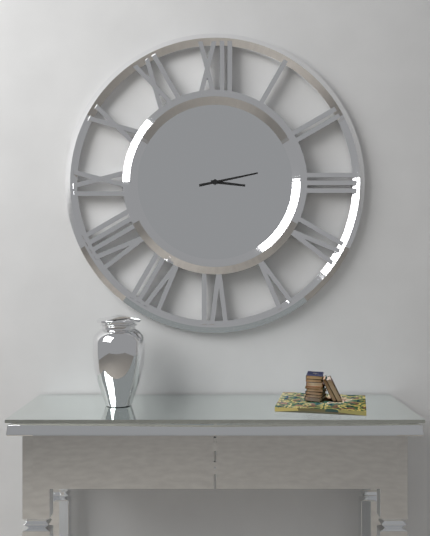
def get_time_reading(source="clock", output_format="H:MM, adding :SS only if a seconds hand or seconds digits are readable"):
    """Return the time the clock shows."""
3:13
